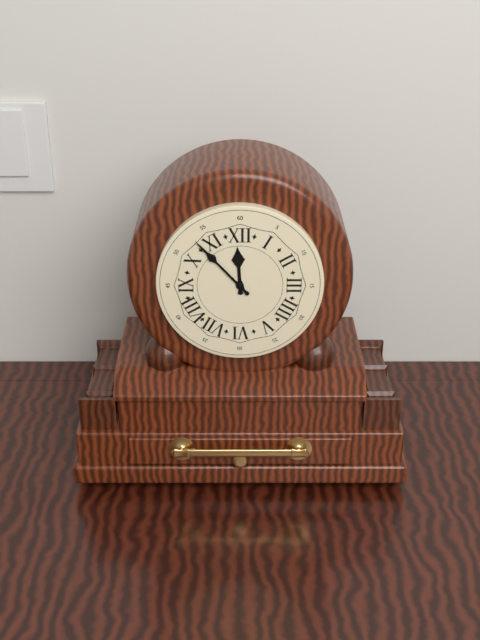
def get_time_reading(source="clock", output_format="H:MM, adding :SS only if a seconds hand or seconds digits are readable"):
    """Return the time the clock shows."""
11:53
